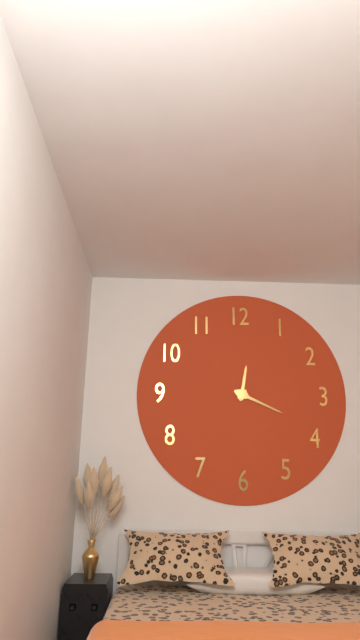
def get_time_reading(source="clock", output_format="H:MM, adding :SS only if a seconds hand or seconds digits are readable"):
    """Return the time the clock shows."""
12:19
